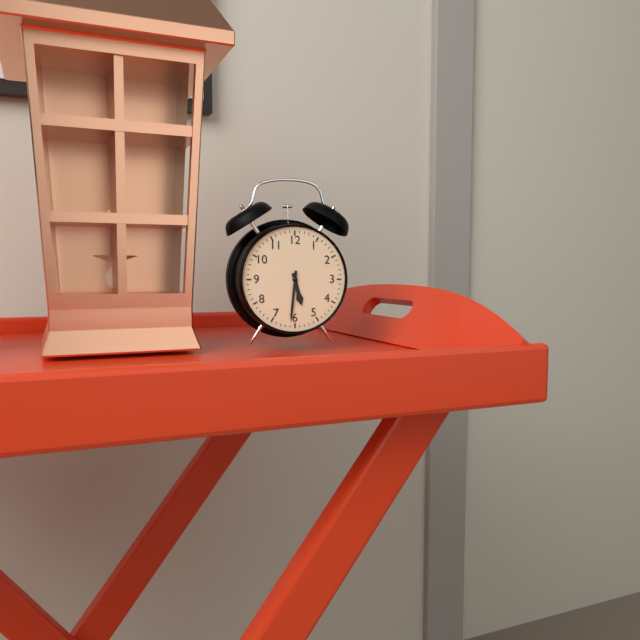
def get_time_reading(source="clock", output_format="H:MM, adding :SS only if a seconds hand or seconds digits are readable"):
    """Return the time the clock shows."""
5:31
